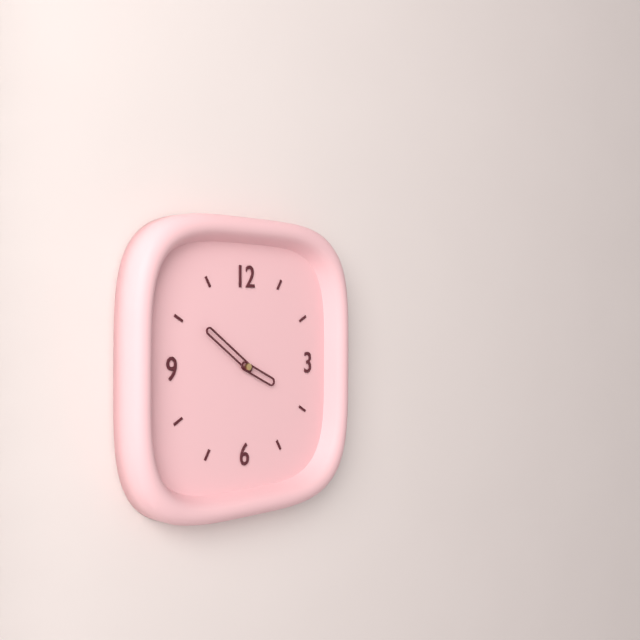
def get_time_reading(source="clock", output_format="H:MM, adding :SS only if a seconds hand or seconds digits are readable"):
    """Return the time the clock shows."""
3:51
